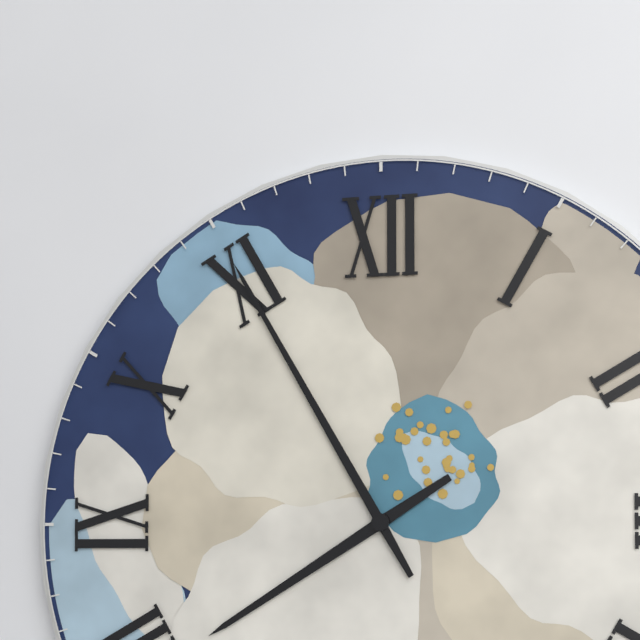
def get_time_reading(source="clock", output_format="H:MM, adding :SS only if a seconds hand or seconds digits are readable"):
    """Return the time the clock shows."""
7:55
